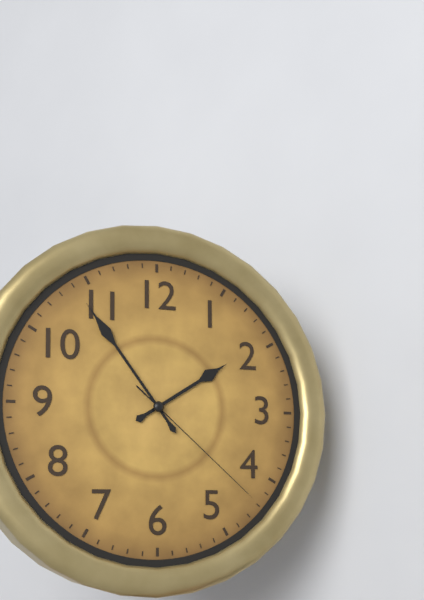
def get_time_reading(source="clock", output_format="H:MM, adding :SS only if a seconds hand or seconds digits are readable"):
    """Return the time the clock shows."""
1:54:22
